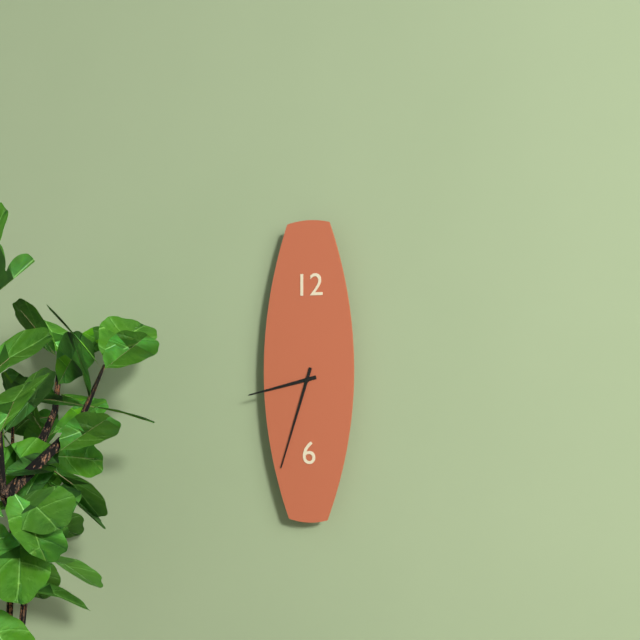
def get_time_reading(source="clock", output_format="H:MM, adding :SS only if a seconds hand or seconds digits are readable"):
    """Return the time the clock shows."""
8:33
